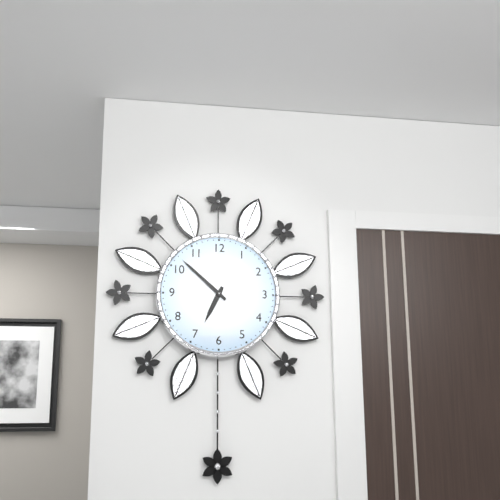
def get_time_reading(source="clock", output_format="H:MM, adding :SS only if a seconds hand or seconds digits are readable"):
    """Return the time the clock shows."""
6:52
